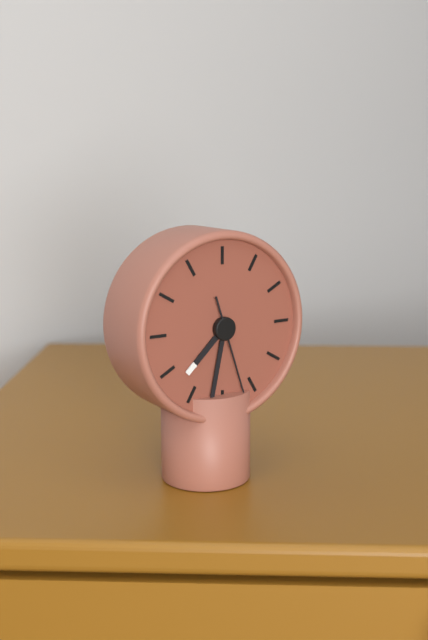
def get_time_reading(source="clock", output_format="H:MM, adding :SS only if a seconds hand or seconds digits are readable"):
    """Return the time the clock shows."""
7:32:27
